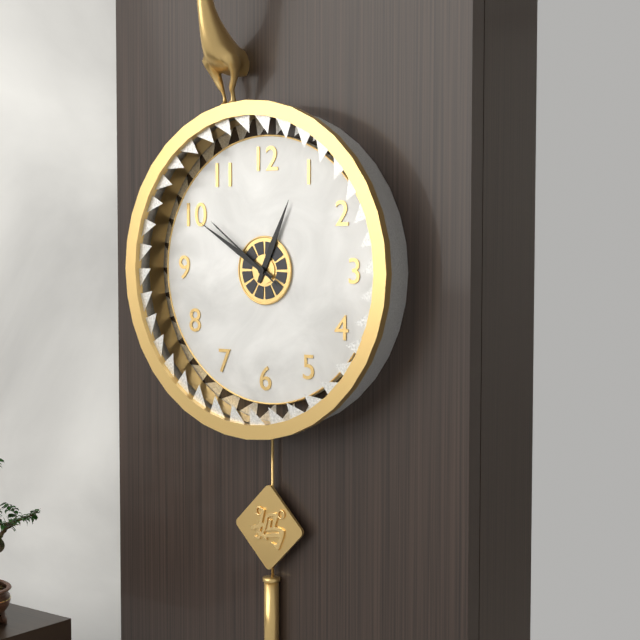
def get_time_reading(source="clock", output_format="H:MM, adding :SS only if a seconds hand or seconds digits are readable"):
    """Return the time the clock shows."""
12:50:51
